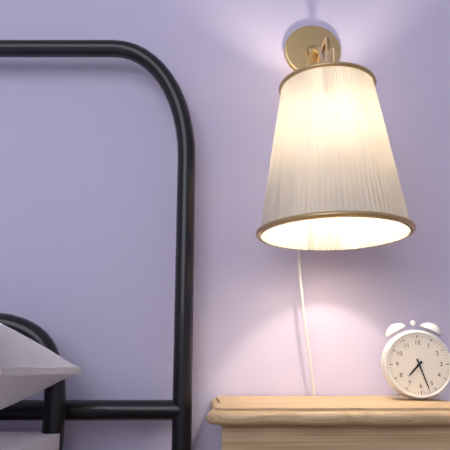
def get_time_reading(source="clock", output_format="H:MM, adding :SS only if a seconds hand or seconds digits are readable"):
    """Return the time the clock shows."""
7:27
